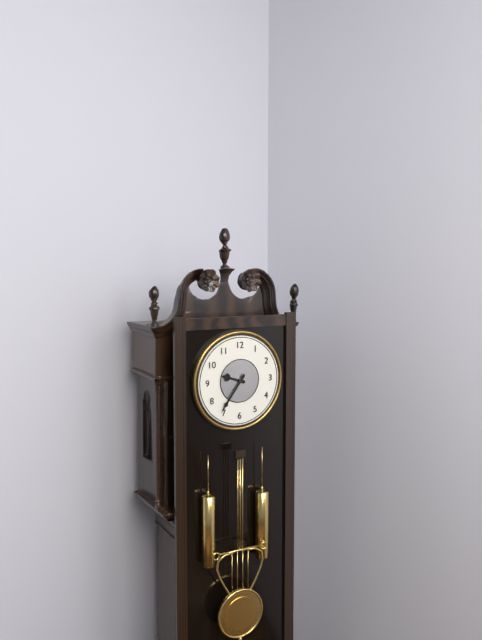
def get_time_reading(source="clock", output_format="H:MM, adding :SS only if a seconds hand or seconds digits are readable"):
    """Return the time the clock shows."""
9:36
